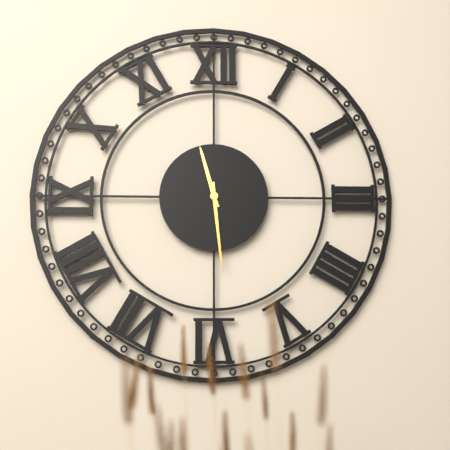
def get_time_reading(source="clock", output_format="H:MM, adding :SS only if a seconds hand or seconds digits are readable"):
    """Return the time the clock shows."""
11:29
